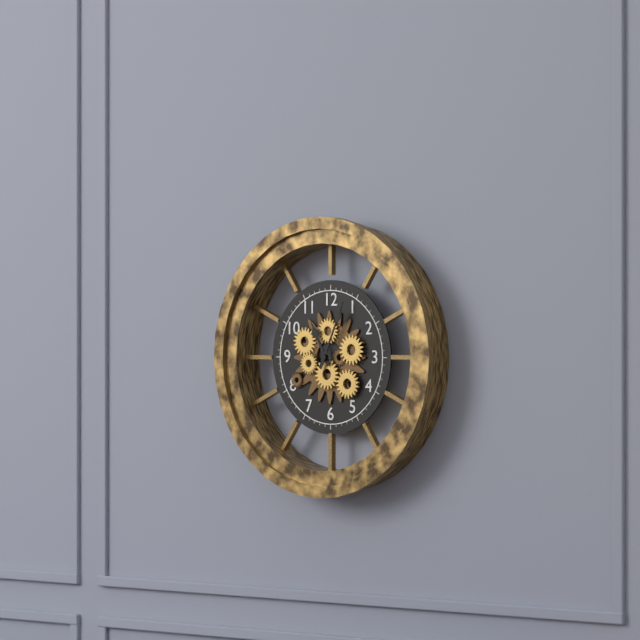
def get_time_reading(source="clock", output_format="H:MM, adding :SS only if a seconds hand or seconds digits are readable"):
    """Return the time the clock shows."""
11:04
